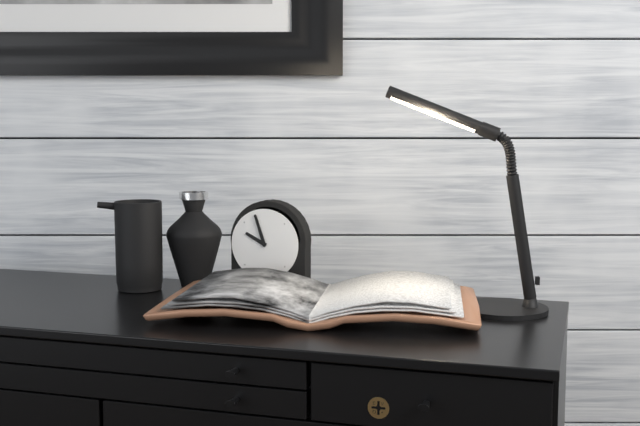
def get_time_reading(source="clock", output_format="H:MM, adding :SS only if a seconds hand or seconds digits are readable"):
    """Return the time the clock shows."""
9:57
